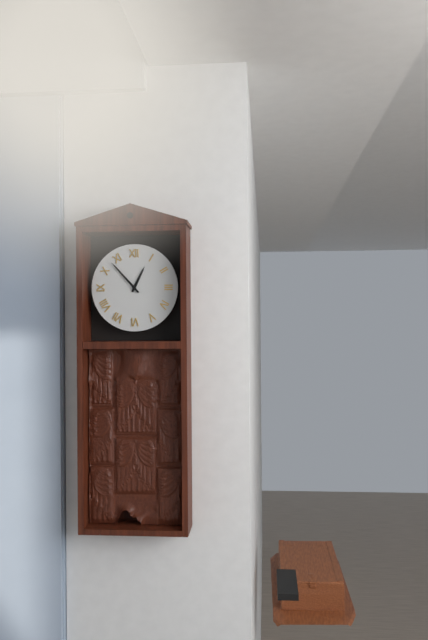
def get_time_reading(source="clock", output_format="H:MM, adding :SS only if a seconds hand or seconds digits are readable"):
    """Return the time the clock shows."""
12:53
